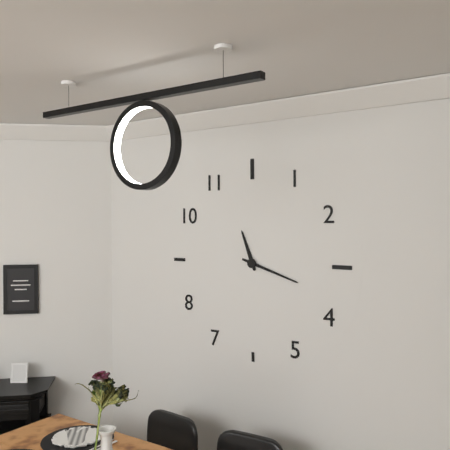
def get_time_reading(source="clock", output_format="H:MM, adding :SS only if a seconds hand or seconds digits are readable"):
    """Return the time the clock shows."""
11:18
